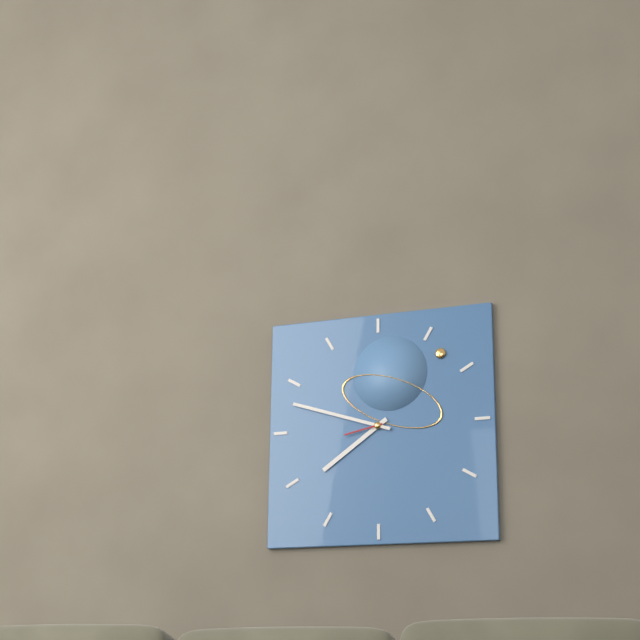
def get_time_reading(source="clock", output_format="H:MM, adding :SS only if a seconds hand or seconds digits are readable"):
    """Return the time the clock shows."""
7:48
